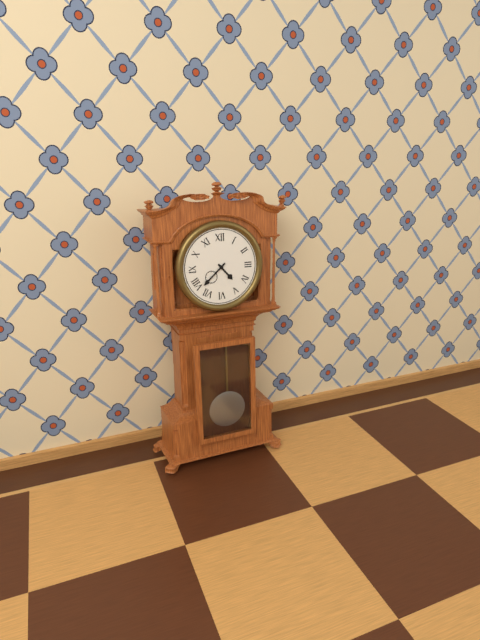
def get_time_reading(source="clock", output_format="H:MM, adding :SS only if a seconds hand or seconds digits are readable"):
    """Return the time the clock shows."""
4:38
